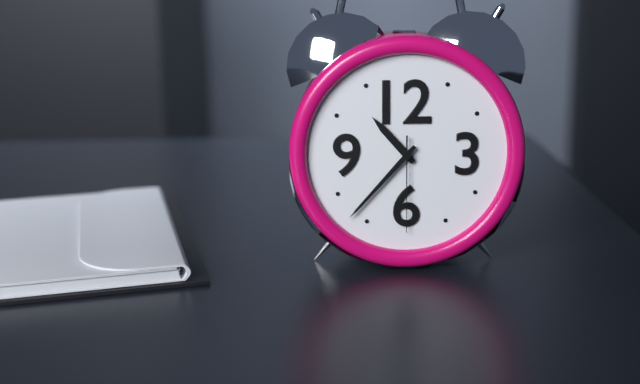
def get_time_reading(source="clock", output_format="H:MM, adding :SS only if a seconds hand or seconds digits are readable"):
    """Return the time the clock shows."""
10:37:30
